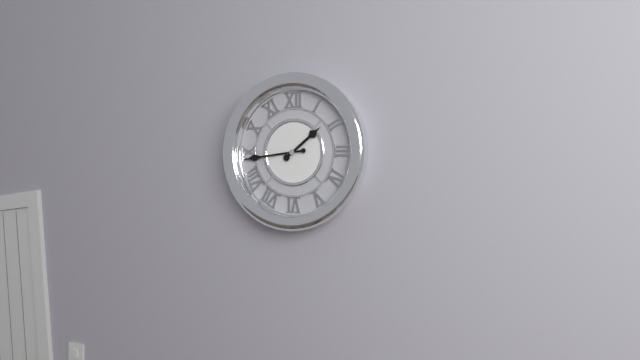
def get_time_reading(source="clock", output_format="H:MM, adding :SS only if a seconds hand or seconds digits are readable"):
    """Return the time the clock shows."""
1:44
